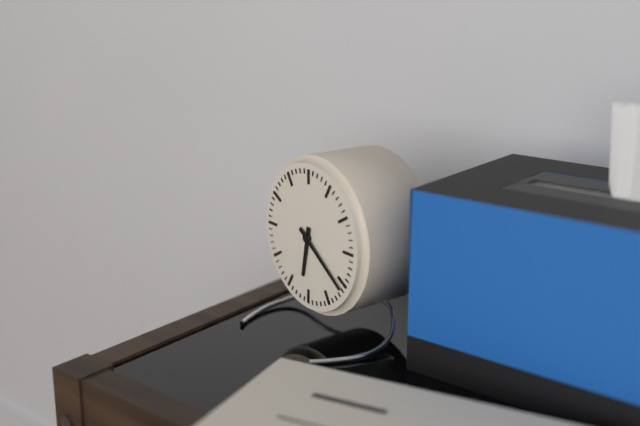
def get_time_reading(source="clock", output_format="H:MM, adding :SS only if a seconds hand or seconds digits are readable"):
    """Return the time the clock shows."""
6:21
